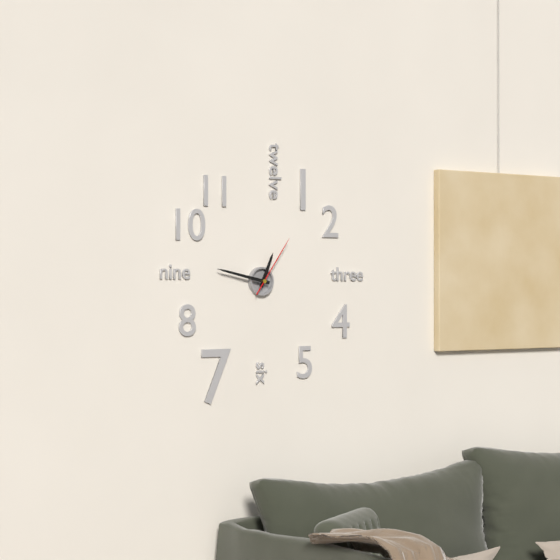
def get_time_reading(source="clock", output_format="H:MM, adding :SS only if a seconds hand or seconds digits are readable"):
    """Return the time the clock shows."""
12:47:06
